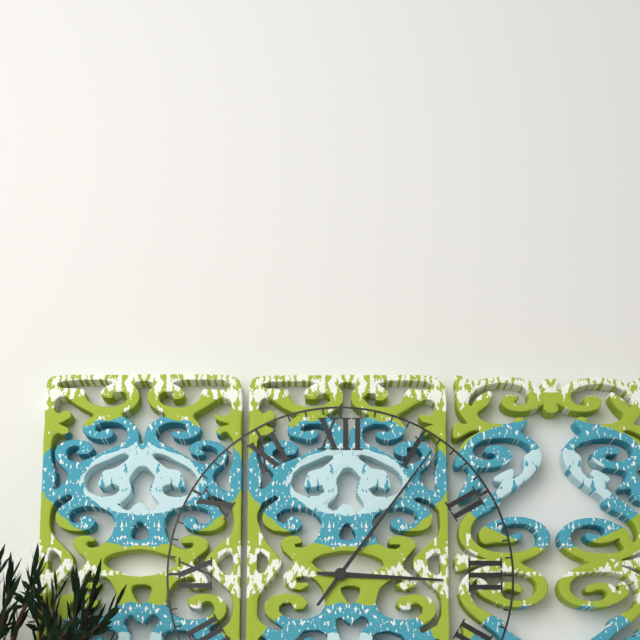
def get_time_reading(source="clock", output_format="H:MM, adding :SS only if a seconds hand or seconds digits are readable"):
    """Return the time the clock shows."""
3:06
